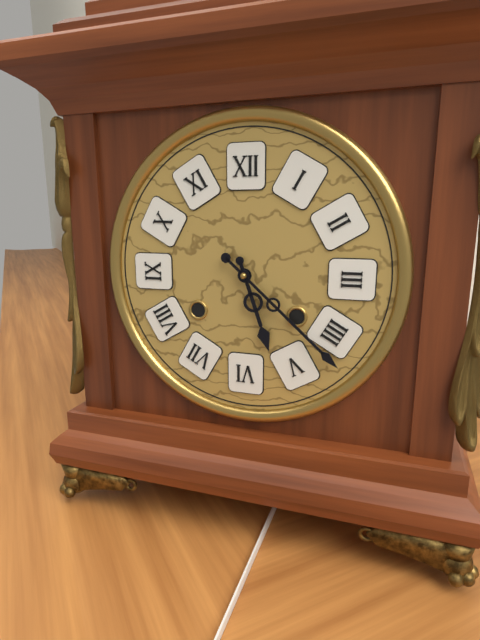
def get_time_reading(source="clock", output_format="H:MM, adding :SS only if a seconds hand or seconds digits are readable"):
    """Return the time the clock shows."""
5:22
